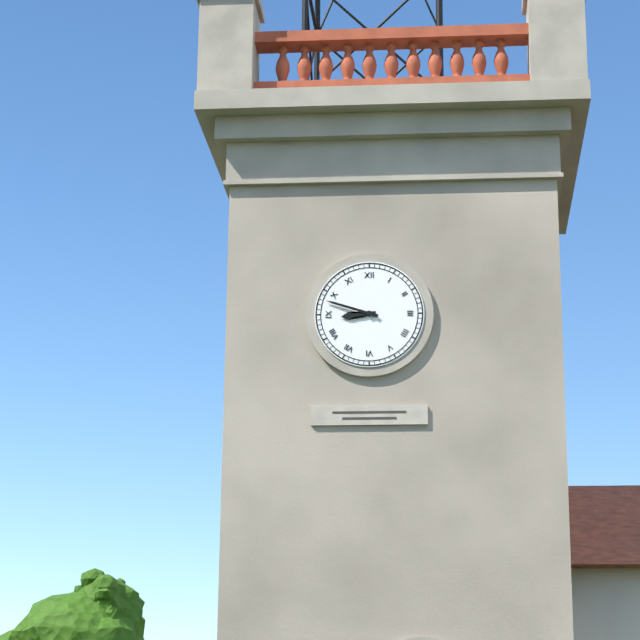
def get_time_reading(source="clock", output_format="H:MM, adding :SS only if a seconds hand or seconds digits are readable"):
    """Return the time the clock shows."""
8:48
